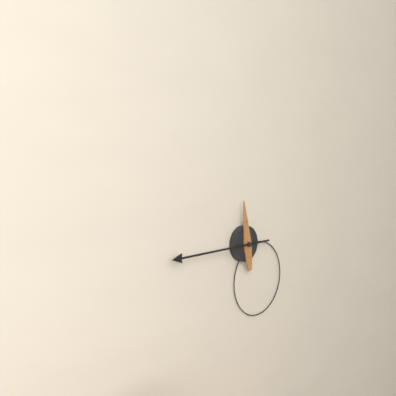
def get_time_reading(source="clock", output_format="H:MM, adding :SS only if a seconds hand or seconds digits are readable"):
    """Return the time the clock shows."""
11:45
